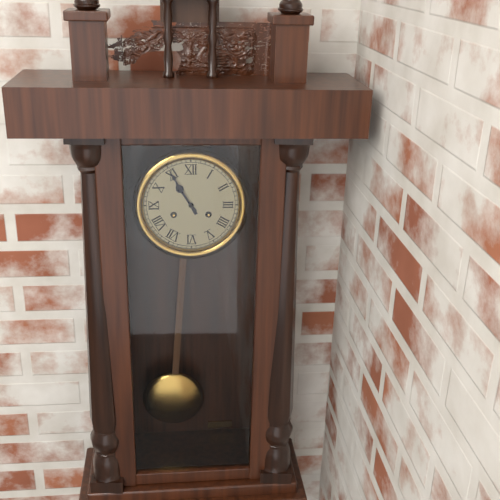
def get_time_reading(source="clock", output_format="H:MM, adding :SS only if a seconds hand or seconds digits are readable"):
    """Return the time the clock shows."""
10:55
